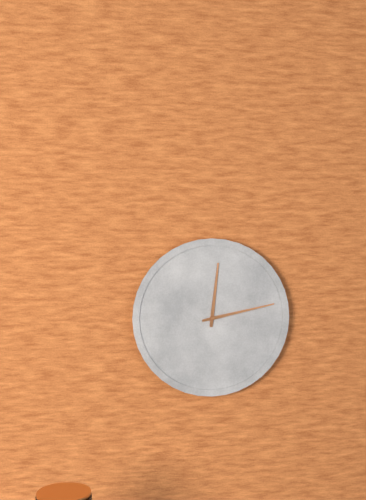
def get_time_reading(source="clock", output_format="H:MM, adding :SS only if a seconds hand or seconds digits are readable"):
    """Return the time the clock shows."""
12:13
